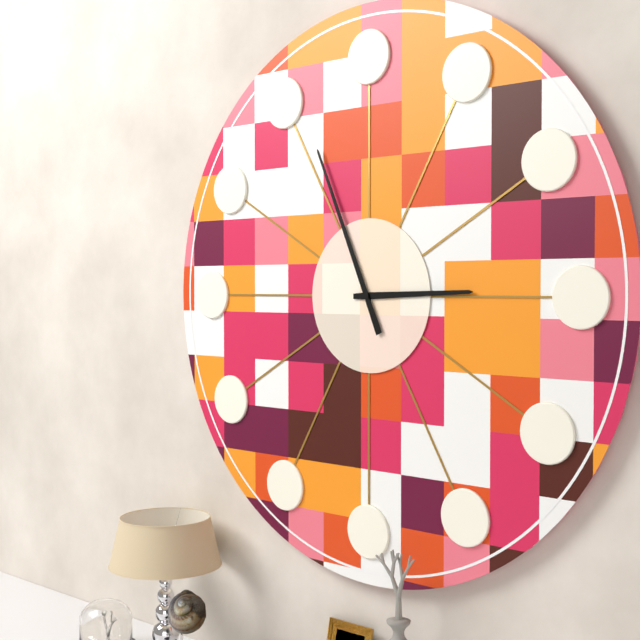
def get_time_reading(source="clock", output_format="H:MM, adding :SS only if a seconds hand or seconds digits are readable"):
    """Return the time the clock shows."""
2:56
